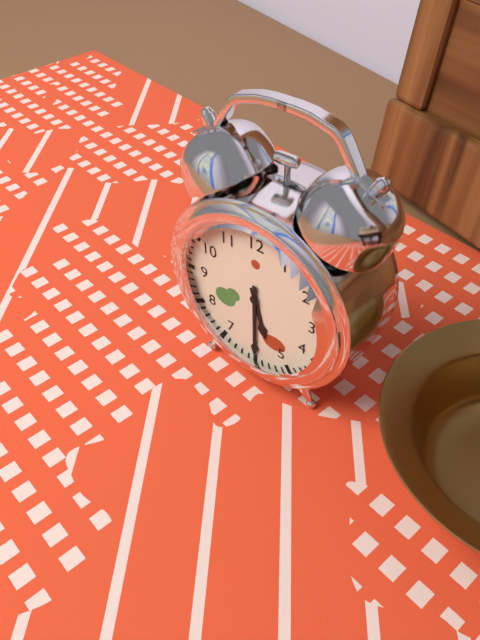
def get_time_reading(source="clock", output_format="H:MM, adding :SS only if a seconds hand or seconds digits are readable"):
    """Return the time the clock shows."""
5:30
